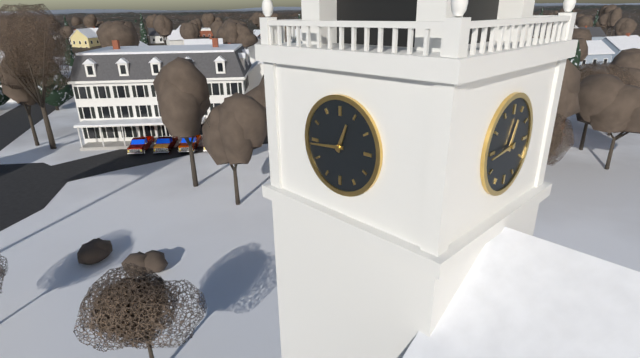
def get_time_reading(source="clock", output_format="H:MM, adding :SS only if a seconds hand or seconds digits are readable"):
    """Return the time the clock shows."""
12:44
